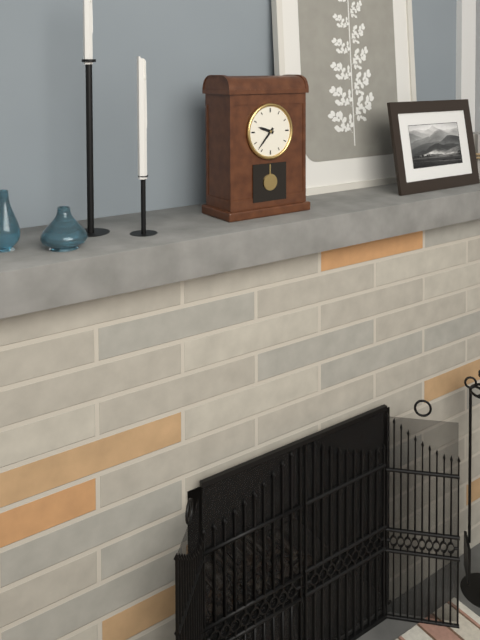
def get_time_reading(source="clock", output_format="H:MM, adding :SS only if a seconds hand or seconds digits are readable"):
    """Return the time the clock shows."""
9:37
